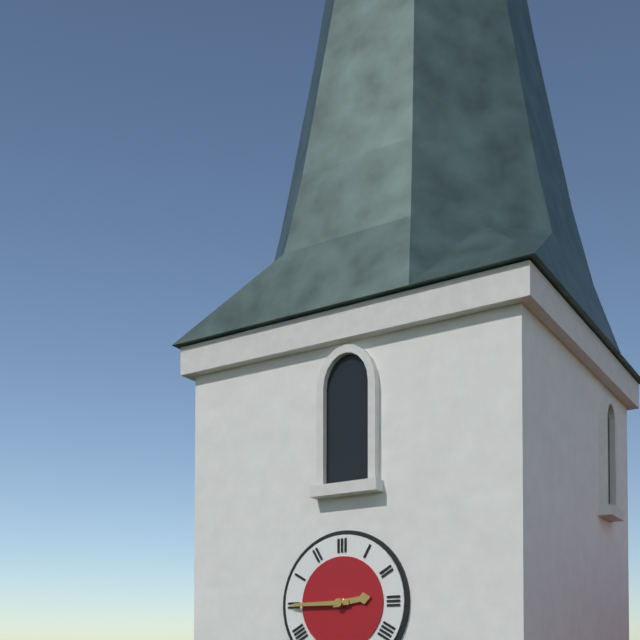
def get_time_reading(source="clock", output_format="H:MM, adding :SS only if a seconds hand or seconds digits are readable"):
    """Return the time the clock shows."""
2:45
